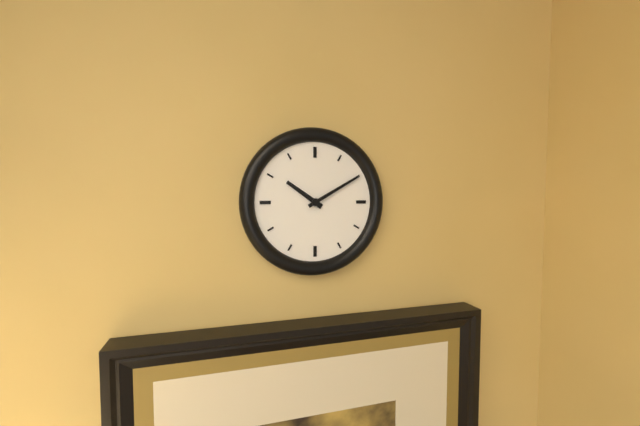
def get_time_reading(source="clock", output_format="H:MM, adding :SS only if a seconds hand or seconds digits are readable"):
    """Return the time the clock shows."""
10:10
